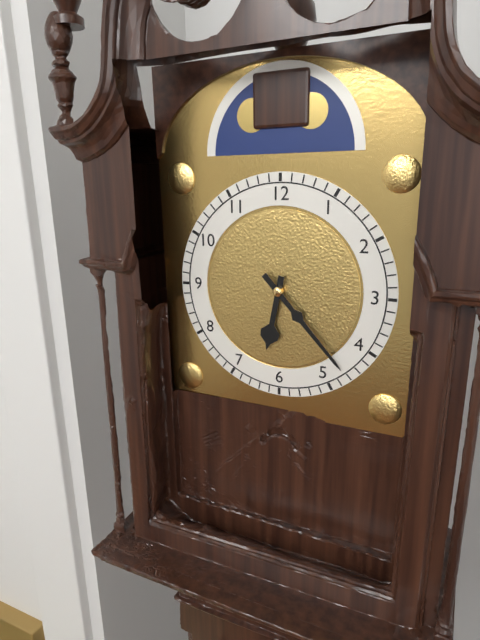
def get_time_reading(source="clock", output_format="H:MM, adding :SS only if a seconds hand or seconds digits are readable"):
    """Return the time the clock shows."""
6:23
